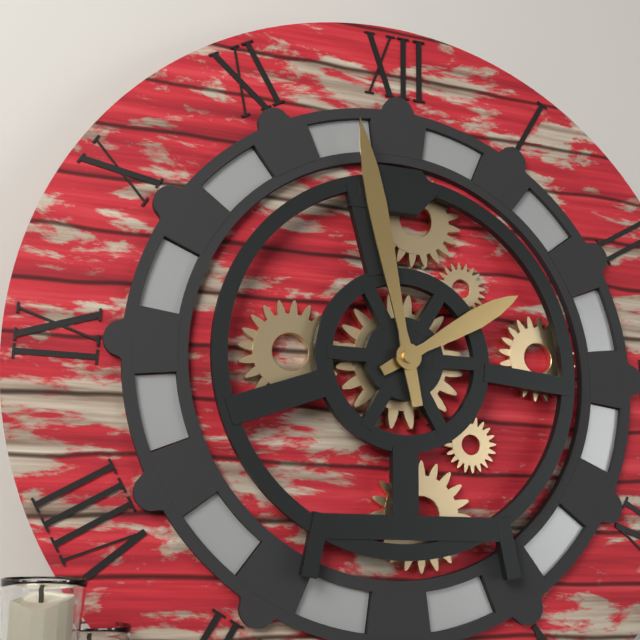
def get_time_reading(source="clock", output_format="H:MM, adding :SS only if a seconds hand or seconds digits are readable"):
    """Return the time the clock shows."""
1:58
